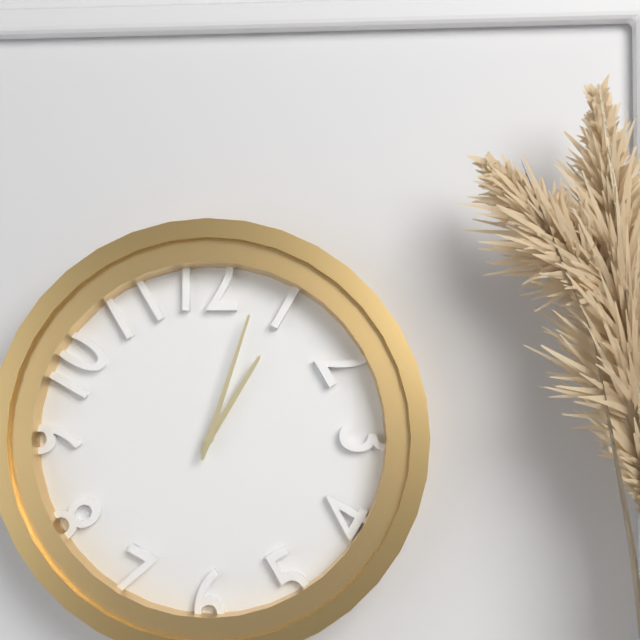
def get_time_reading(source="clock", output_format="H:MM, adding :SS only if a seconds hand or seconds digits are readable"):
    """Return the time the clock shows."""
1:03
